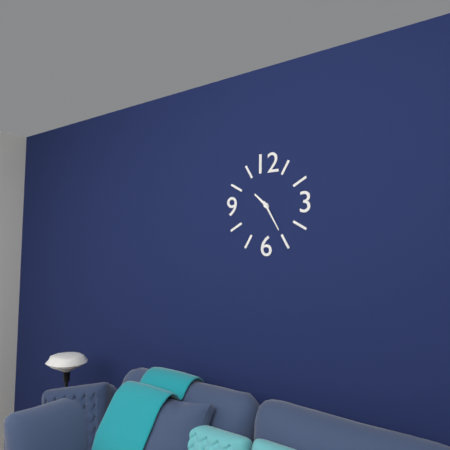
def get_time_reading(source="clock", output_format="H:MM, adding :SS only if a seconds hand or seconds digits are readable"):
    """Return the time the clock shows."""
10:25
